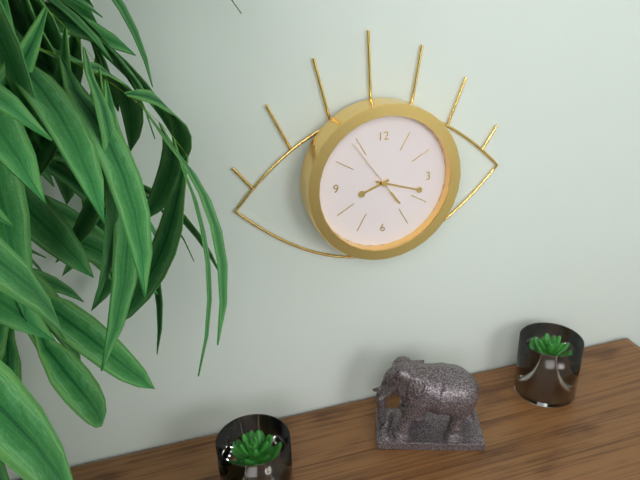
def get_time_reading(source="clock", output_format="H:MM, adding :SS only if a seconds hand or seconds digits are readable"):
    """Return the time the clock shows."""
8:18:54
